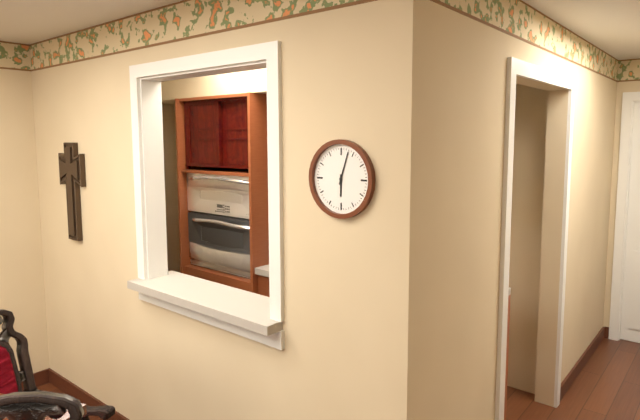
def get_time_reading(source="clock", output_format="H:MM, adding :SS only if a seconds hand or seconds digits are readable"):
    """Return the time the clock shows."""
6:03
